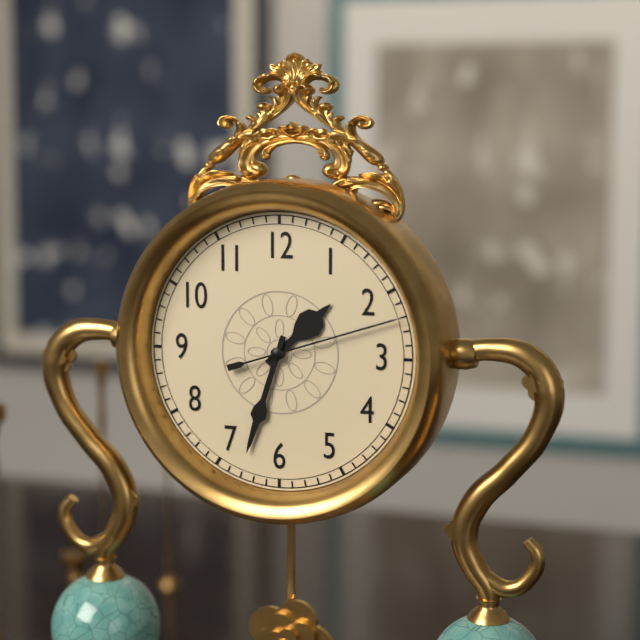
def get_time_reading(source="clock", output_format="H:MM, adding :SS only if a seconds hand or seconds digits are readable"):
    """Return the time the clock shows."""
1:33:12
